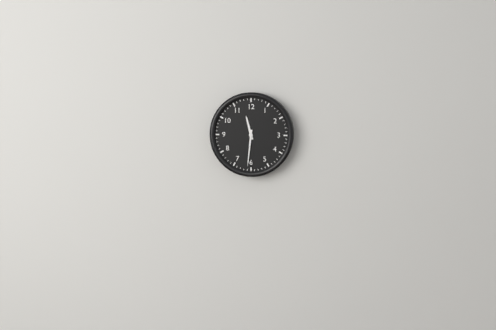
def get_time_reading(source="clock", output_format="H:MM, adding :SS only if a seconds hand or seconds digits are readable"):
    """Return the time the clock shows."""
11:31
